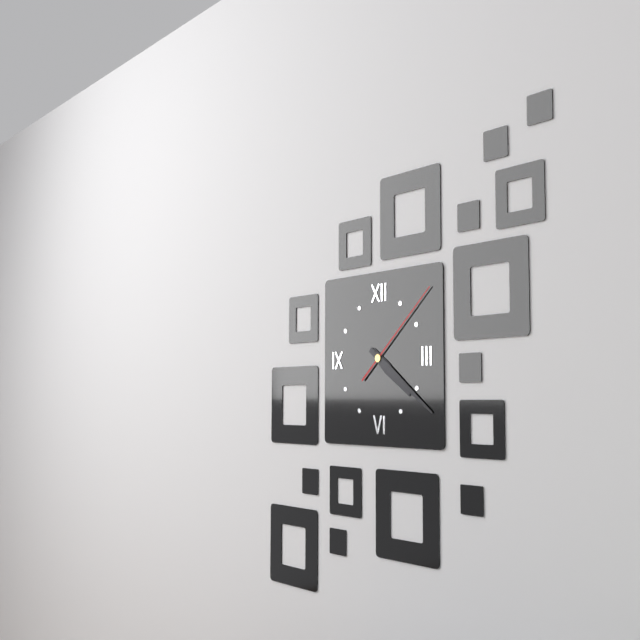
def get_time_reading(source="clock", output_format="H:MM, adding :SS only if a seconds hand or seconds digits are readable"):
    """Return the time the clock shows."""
4:21:08
